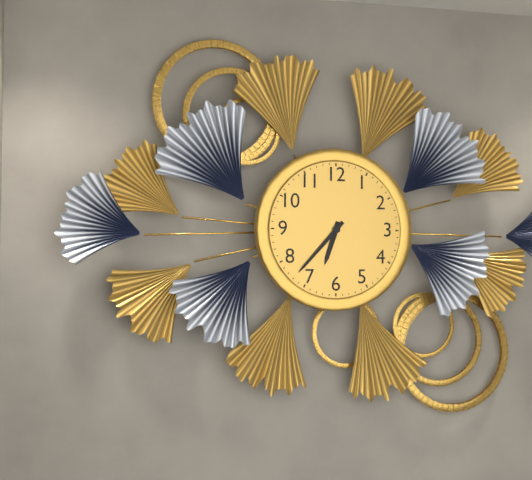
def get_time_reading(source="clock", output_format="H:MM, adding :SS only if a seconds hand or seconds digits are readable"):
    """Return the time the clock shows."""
6:37
